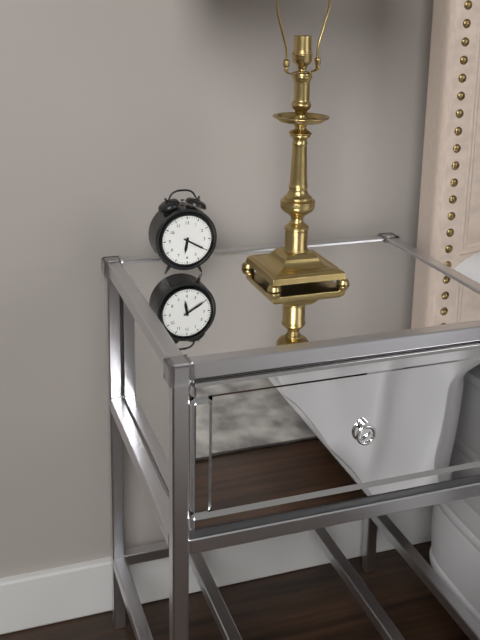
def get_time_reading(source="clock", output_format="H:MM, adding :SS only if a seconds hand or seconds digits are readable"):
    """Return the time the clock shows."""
6:20
